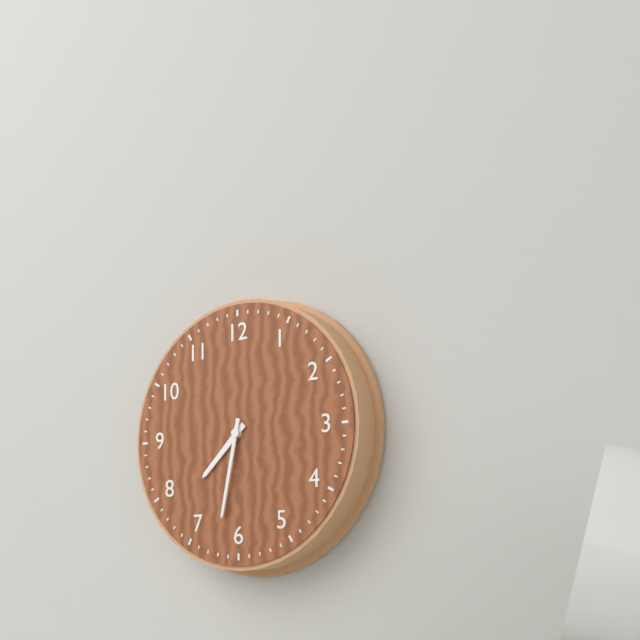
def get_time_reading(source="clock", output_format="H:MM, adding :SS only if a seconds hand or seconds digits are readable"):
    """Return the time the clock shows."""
7:32
